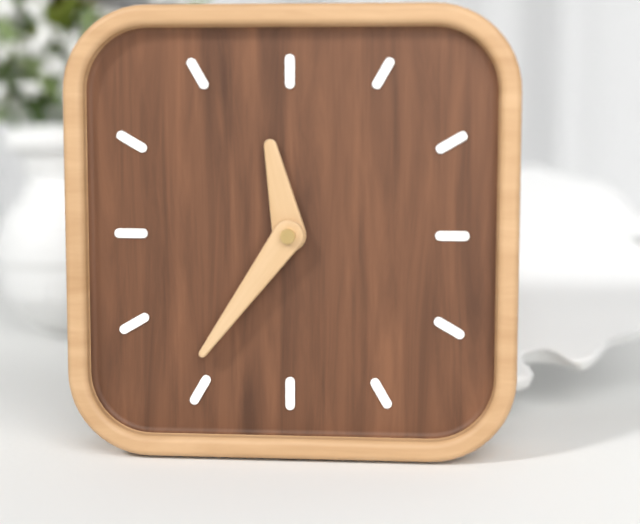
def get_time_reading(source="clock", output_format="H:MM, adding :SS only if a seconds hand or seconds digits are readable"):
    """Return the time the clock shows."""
11:36
